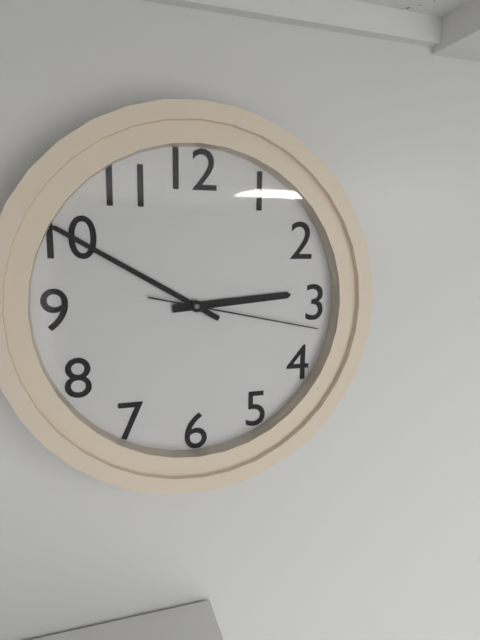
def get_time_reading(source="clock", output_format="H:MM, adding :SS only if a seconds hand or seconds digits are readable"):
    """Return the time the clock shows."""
2:50:17
